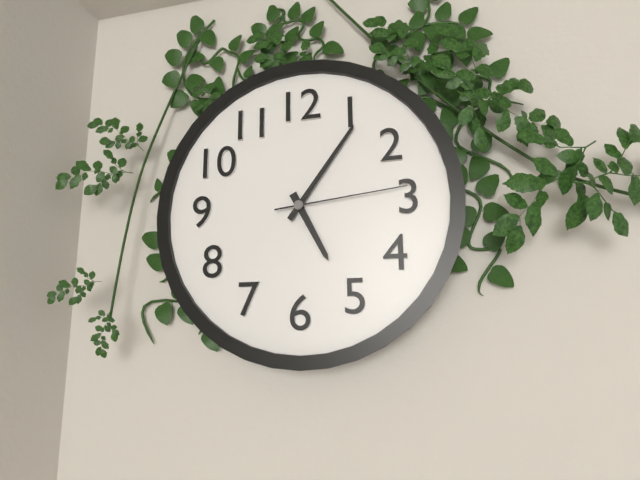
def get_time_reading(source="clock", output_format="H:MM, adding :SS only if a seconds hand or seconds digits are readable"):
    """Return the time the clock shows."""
5:06:14
